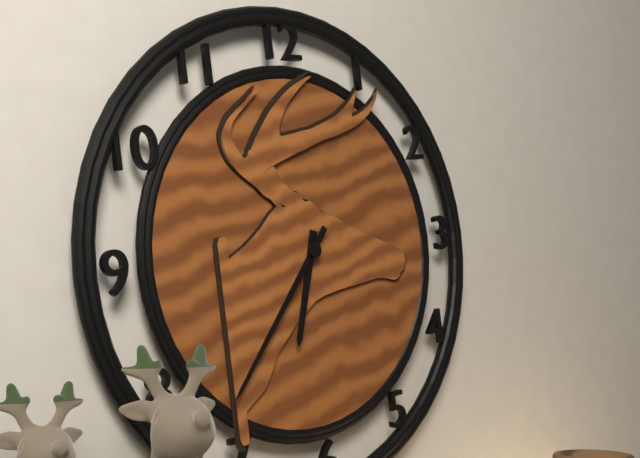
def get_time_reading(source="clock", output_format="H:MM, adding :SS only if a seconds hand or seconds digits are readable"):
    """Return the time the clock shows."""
6:37
